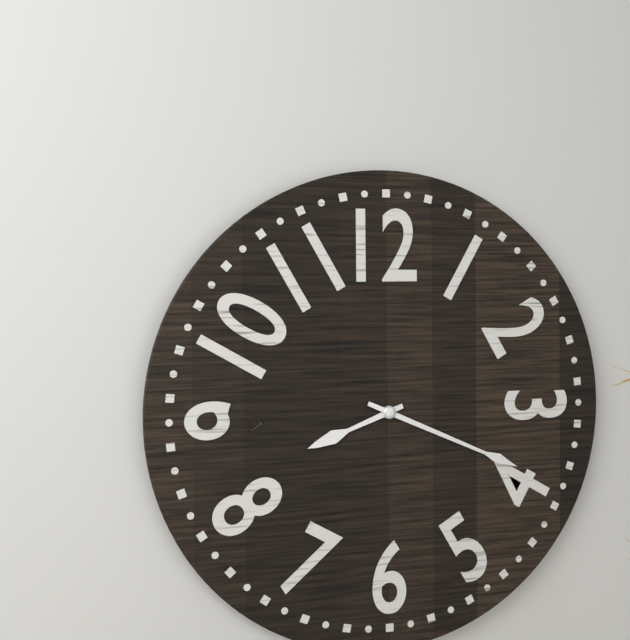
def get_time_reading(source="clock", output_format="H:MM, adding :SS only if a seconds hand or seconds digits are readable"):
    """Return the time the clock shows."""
8:19
